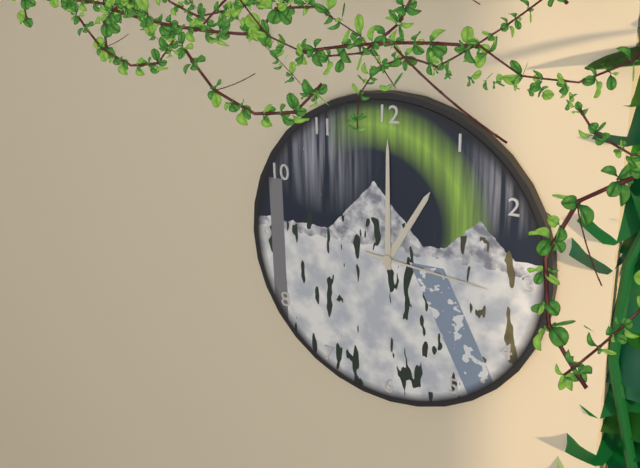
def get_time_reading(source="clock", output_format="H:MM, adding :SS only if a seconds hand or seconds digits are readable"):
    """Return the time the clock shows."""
1:00:16
